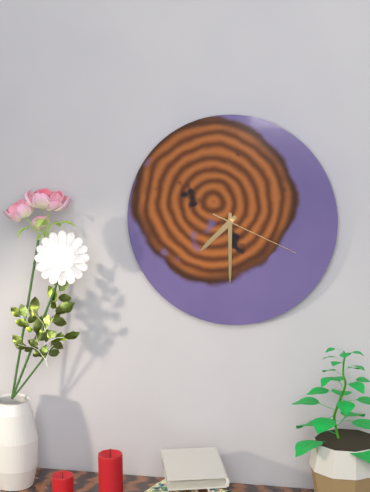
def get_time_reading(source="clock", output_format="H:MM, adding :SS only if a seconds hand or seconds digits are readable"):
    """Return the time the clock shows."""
7:30:19
